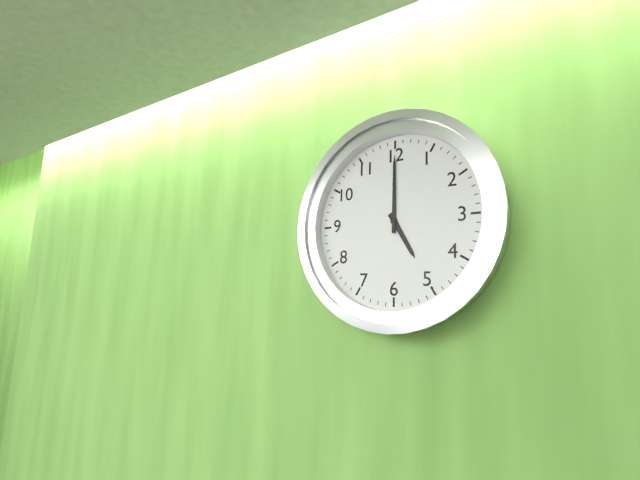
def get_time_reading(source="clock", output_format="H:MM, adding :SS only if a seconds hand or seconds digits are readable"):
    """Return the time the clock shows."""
5:00
